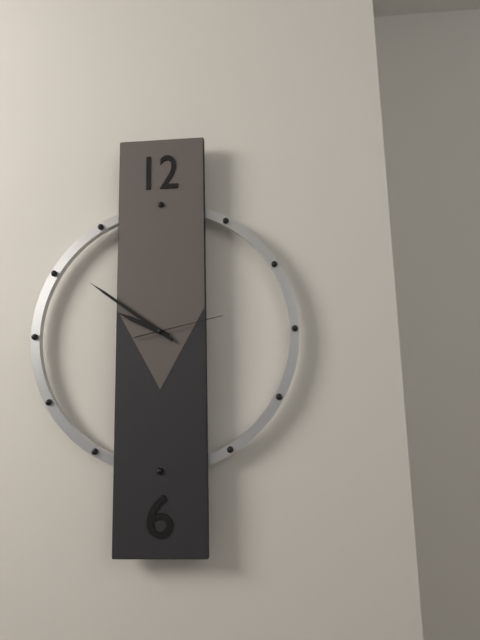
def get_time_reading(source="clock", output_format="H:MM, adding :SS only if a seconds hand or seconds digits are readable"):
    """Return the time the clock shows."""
9:51:13
